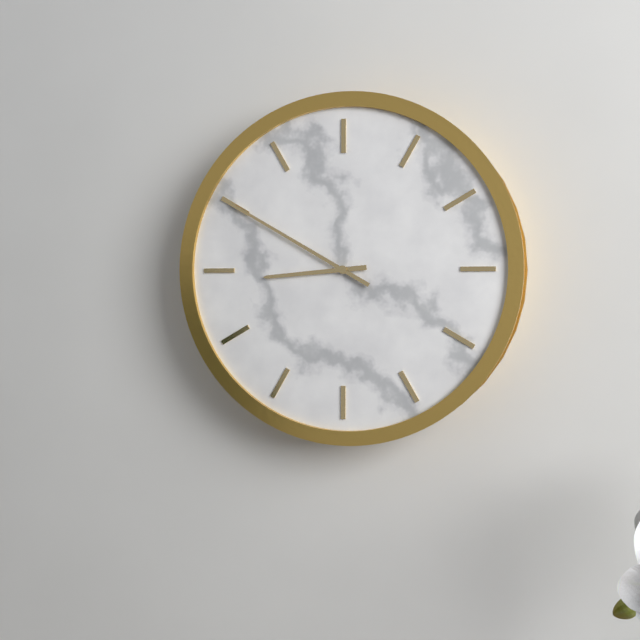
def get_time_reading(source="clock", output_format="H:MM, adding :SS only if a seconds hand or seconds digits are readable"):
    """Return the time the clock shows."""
8:50
